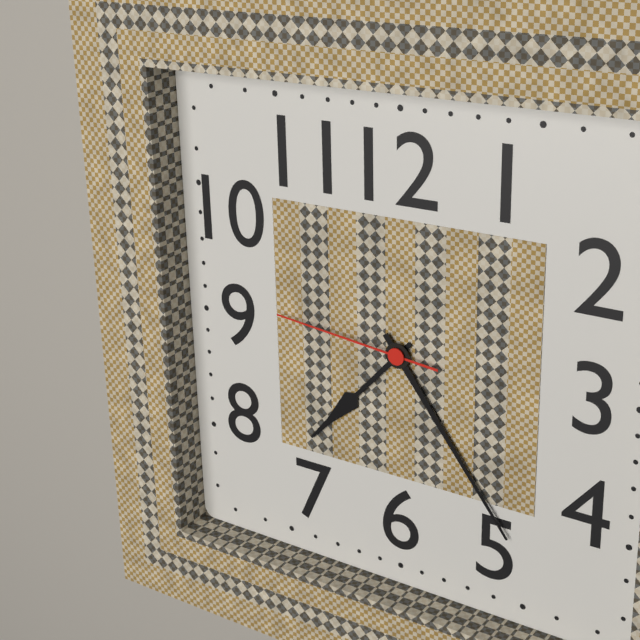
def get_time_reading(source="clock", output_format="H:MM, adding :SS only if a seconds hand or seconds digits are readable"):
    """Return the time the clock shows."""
7:24:46
